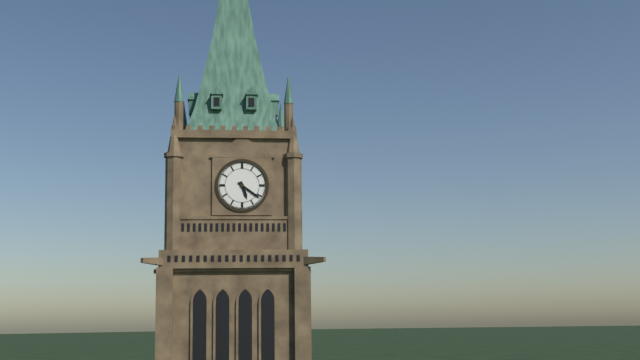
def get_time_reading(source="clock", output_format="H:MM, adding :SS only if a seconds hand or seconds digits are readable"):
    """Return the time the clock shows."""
5:21
